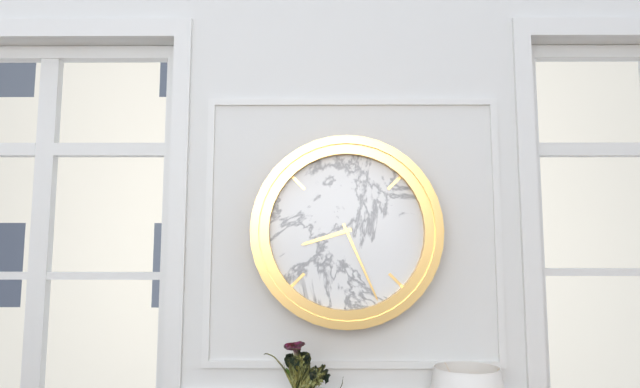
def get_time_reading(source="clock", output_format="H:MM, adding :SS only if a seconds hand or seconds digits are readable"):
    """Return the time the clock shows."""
8:26
